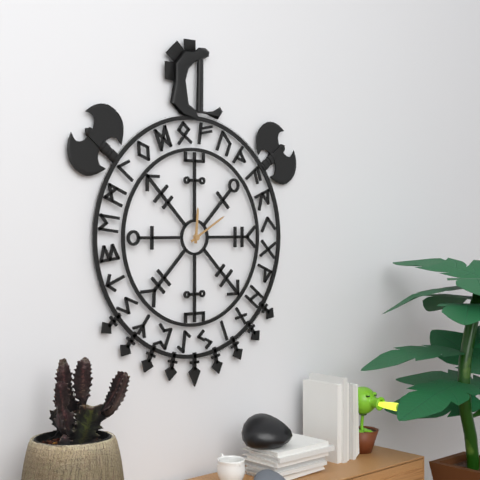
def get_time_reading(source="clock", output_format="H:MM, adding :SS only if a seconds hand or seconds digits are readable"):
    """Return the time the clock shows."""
12:10
